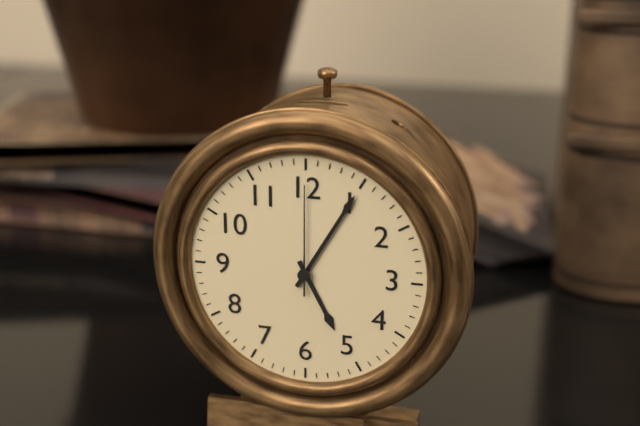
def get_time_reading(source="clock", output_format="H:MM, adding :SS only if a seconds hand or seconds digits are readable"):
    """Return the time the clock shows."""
5:05:00
